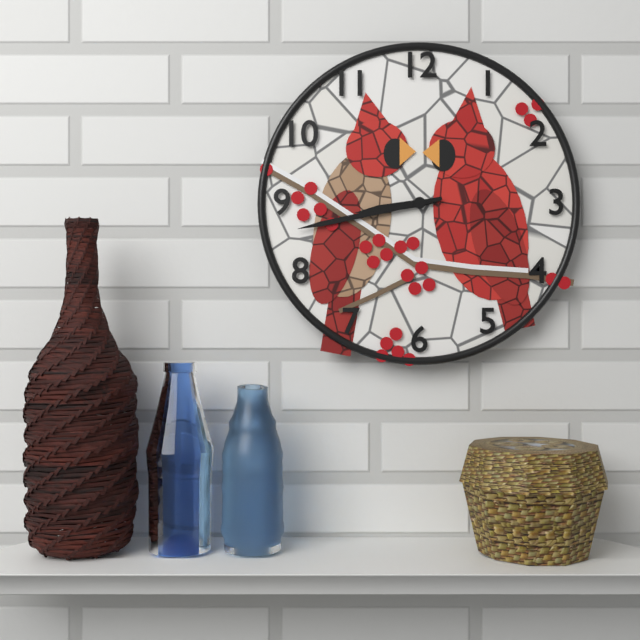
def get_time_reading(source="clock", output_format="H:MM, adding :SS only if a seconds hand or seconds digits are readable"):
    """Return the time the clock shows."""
8:43
